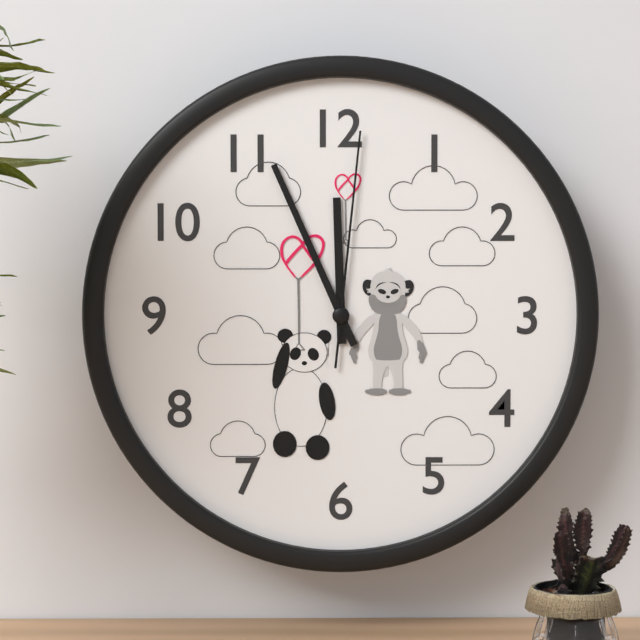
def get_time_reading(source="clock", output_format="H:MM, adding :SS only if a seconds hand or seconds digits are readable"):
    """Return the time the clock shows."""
11:56:01
